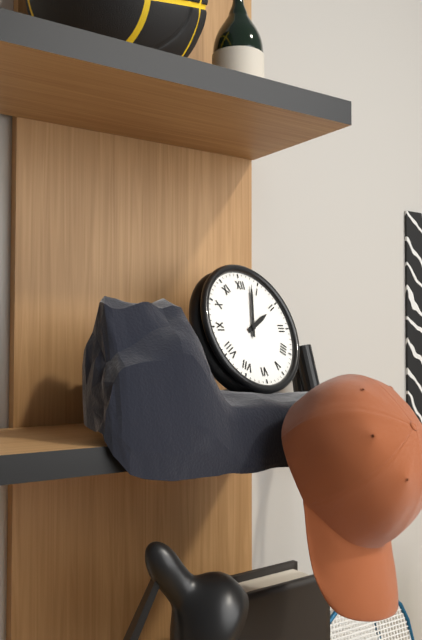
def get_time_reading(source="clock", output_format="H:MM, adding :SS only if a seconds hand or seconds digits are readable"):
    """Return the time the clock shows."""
2:03
